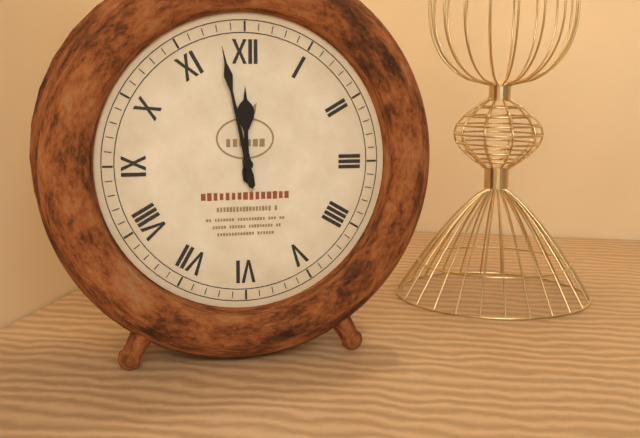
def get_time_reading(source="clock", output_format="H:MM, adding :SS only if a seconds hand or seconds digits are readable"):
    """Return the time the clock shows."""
11:58
